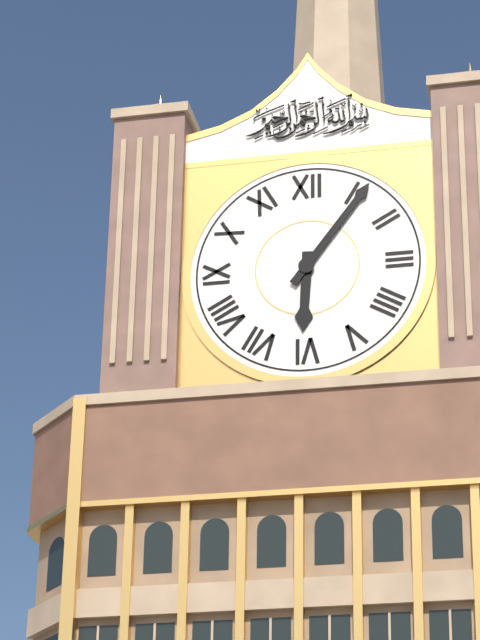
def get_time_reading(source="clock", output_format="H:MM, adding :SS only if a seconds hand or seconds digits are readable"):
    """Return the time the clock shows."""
6:06
